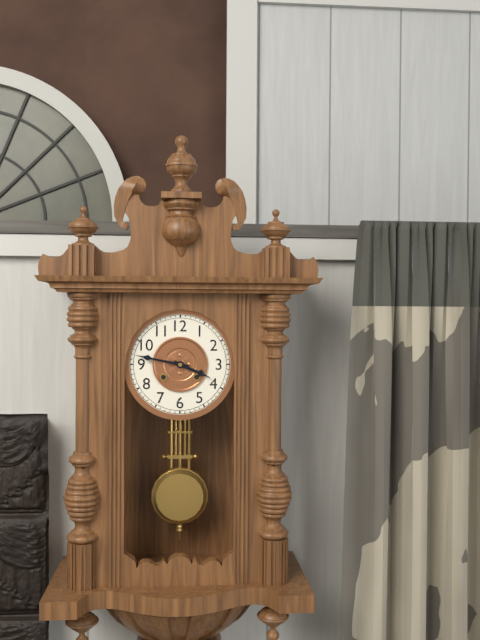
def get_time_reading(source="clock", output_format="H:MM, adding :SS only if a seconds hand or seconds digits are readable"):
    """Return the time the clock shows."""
3:47
